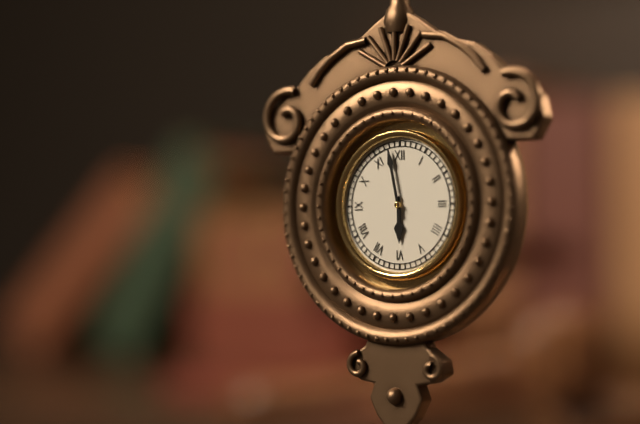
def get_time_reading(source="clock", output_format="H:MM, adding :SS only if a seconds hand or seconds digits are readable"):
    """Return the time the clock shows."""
5:58
